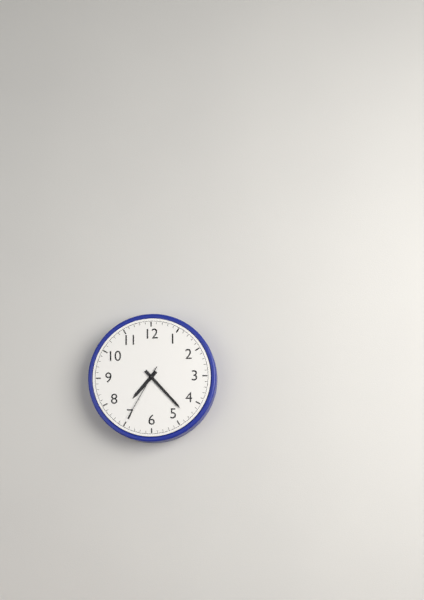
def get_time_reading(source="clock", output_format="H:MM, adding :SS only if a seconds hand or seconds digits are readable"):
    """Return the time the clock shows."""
7:23:35
